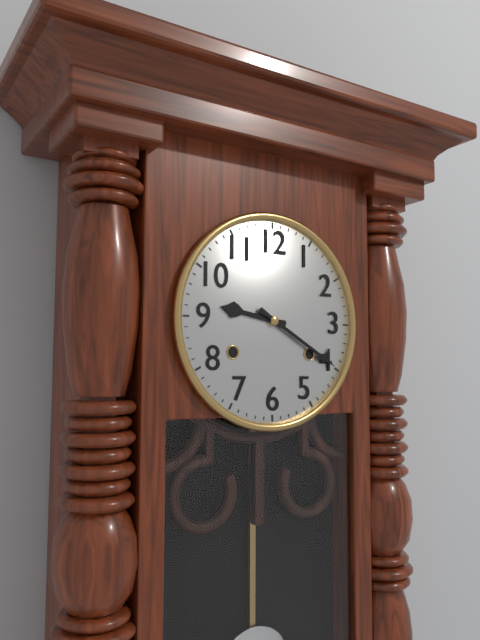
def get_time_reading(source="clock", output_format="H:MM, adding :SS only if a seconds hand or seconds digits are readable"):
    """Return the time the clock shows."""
9:20
